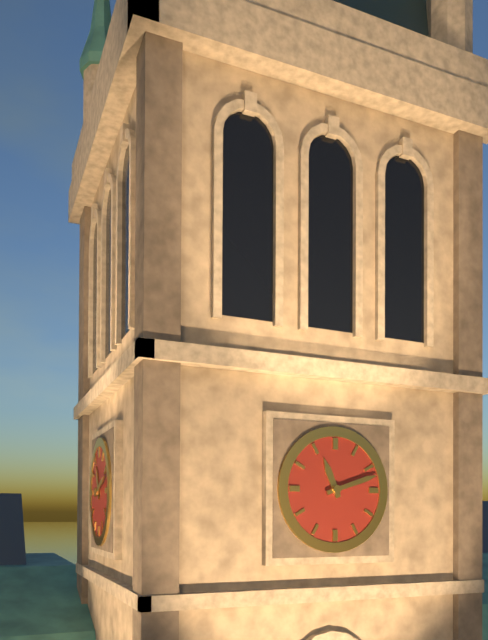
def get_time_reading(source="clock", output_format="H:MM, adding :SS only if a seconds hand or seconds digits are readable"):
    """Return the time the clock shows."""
11:12
